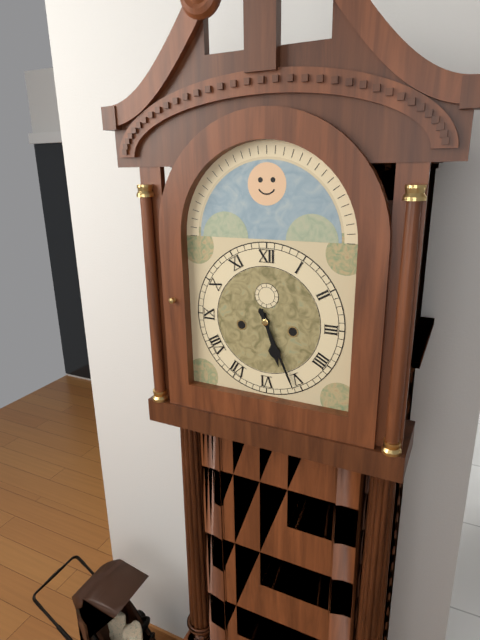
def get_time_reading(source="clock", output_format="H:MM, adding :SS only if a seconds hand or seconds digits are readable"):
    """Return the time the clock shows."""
5:26
